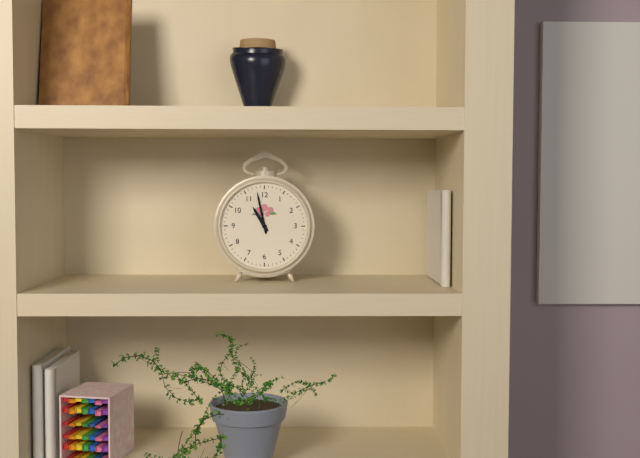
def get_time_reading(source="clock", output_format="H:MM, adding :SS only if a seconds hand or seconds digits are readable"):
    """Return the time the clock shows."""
10:58
